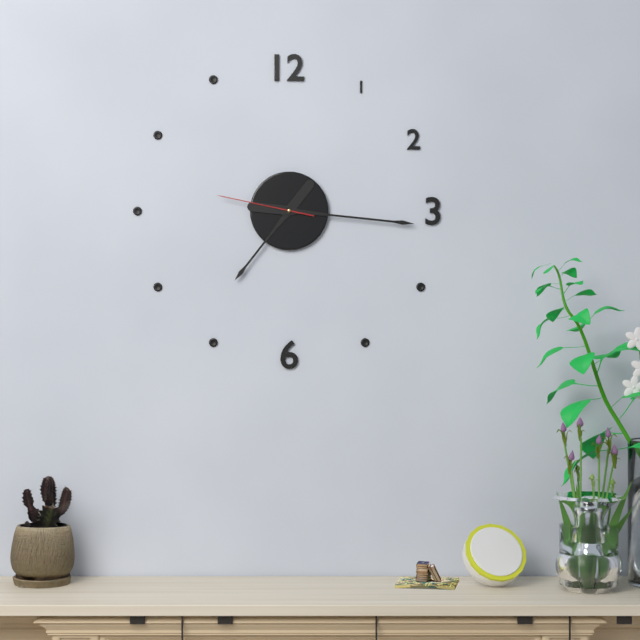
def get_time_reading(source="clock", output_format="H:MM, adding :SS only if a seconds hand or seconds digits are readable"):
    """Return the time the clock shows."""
7:16:47
